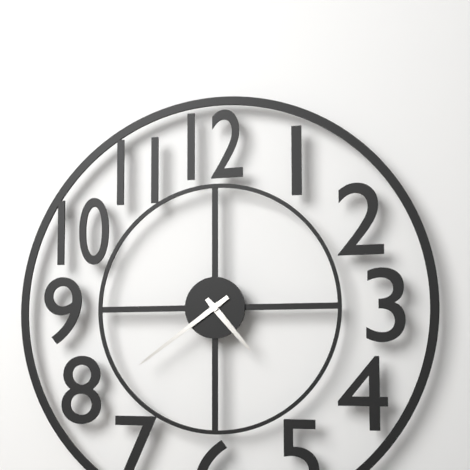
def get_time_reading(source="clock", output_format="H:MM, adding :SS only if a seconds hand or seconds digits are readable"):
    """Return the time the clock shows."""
4:39
